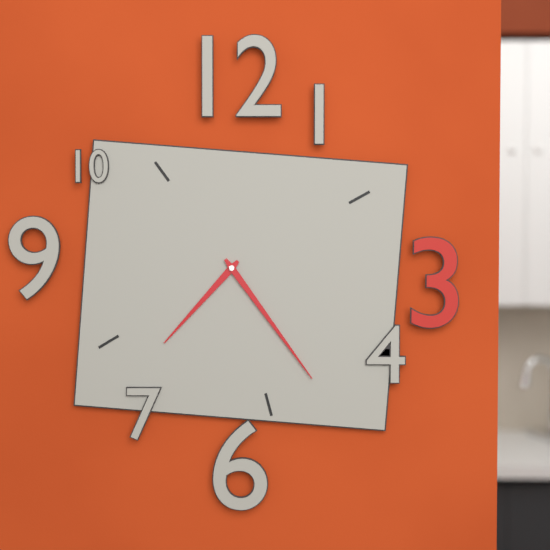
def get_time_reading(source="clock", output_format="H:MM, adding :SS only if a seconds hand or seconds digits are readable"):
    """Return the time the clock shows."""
7:24
